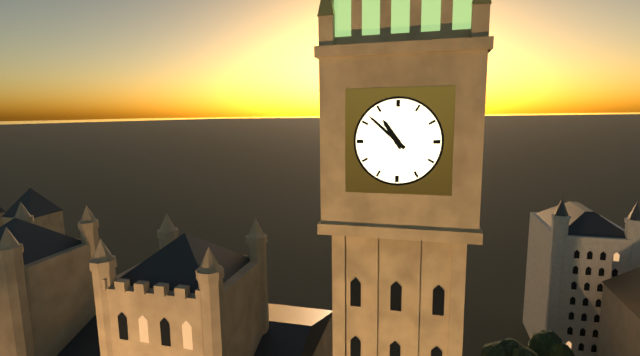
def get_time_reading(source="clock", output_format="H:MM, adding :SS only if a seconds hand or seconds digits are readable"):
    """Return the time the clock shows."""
10:52
